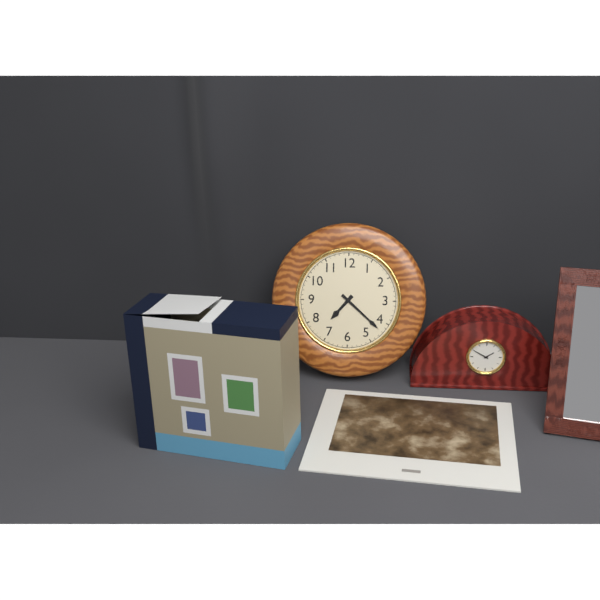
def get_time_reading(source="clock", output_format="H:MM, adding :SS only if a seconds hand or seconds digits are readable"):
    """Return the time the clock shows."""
7:22
